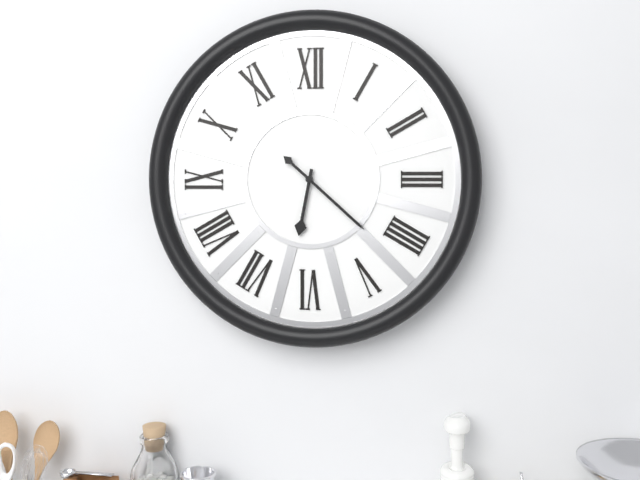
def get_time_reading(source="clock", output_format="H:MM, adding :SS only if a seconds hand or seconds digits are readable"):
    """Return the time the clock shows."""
6:22
